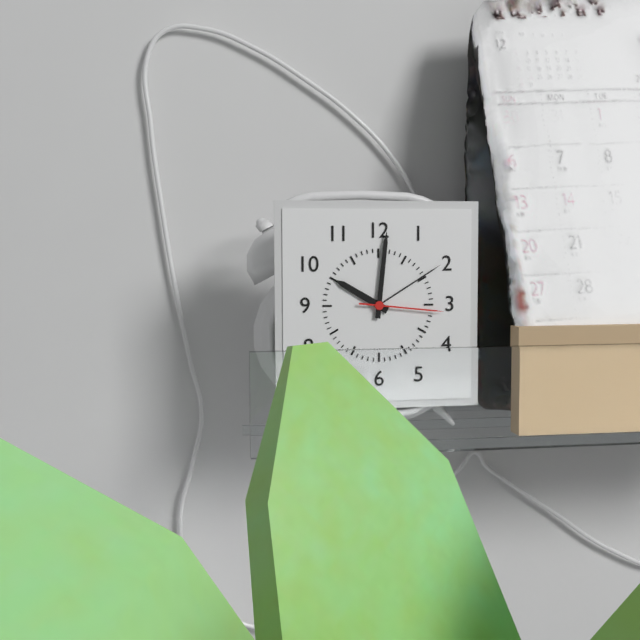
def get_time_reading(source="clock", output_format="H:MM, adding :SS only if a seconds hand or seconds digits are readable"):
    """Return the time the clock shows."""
10:01:16
